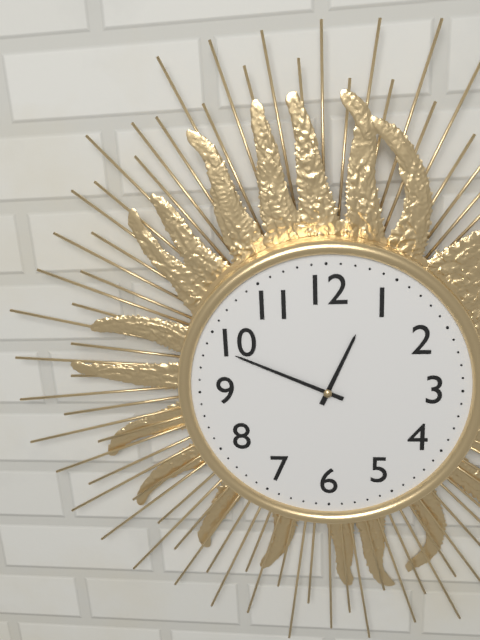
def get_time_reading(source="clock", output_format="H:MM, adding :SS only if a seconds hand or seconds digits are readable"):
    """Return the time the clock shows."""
12:49
